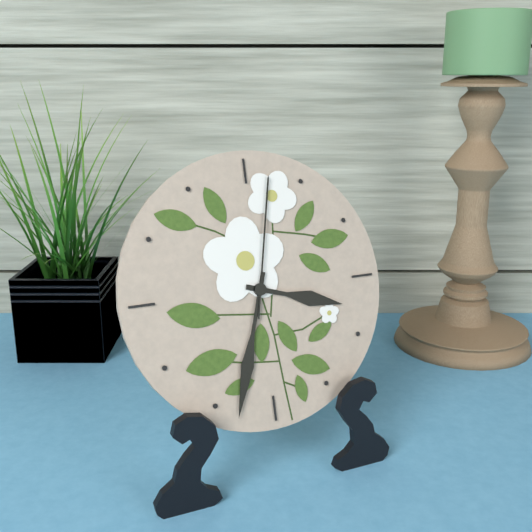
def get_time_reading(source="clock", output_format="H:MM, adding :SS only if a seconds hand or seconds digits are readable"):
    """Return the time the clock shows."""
3:33:02
